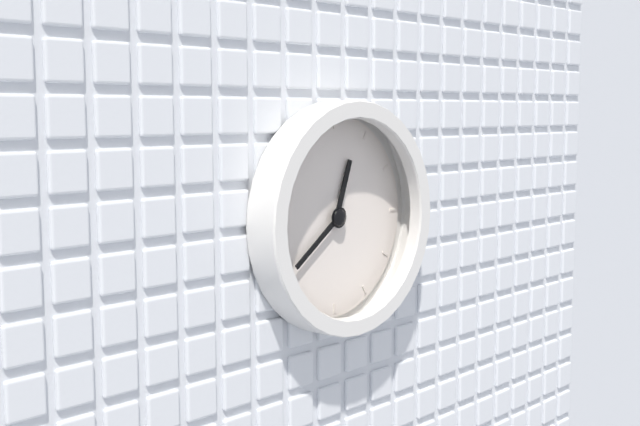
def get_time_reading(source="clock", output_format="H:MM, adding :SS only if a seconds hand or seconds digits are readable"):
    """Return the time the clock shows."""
12:39
